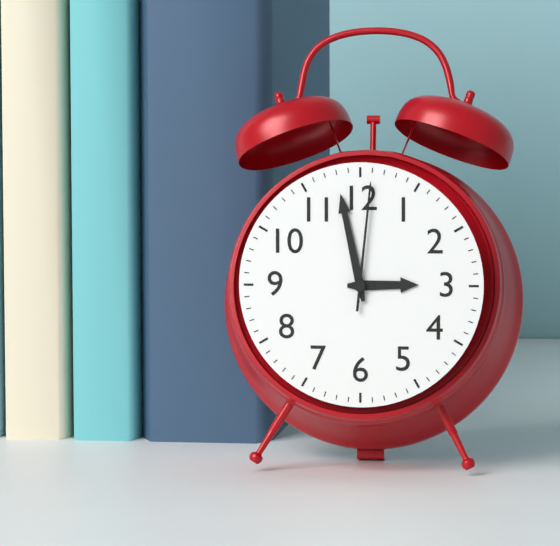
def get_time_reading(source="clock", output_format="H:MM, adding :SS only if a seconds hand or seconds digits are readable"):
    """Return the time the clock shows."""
2:58:01
